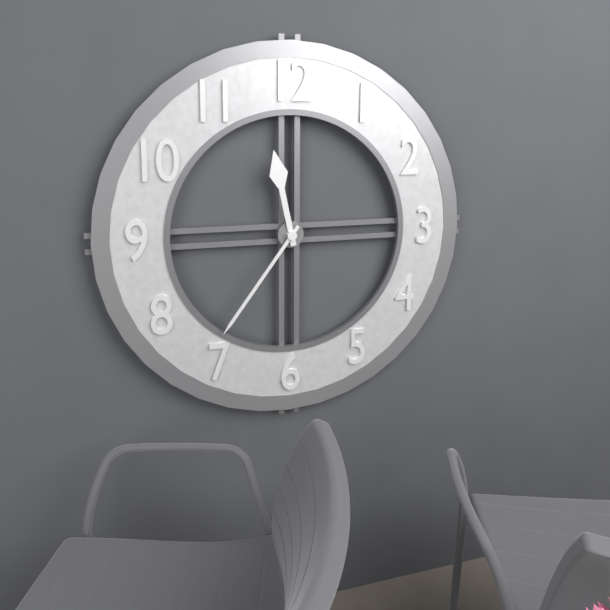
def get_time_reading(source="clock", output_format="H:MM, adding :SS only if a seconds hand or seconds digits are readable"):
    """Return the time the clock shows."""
11:36
